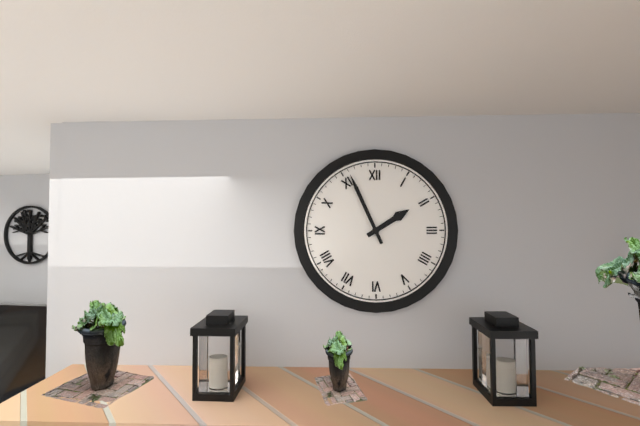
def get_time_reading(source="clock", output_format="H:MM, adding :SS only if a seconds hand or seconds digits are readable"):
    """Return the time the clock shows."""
1:56
